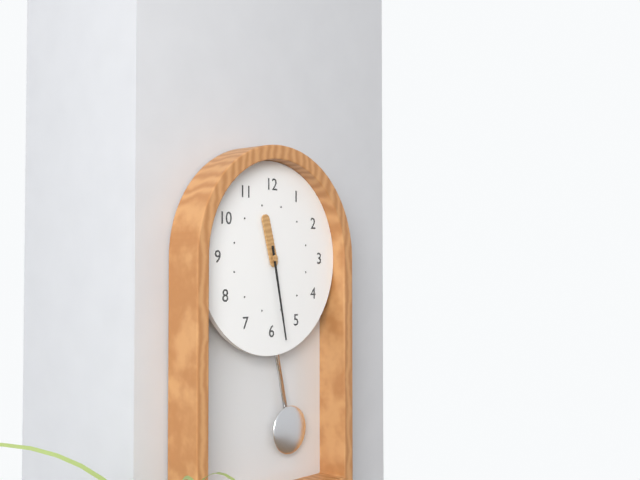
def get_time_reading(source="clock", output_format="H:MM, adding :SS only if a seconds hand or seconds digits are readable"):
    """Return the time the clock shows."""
11:28
